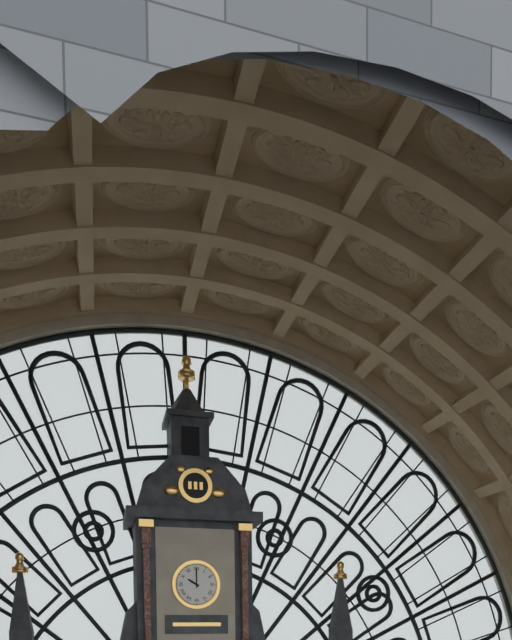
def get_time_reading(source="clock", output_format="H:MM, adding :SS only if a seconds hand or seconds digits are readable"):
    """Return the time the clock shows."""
10:00
